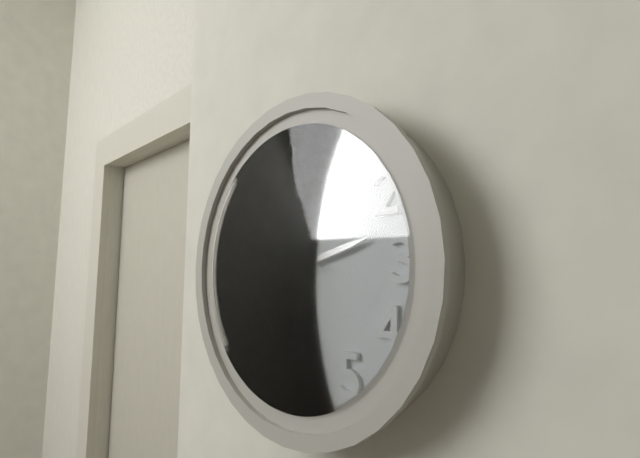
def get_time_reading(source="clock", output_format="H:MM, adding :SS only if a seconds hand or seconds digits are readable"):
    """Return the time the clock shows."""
2:30:46
